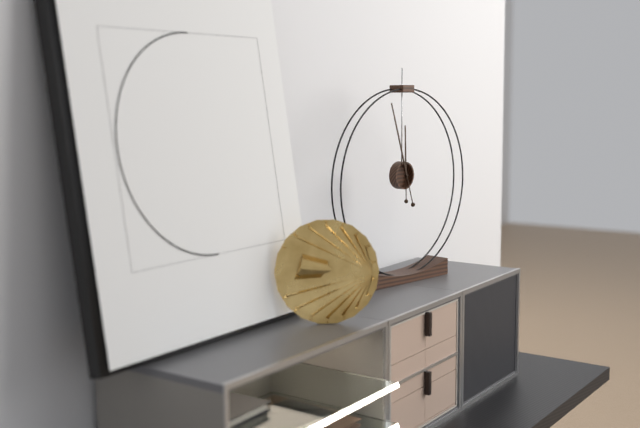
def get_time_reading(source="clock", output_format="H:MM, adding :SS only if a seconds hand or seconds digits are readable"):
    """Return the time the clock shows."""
11:57
